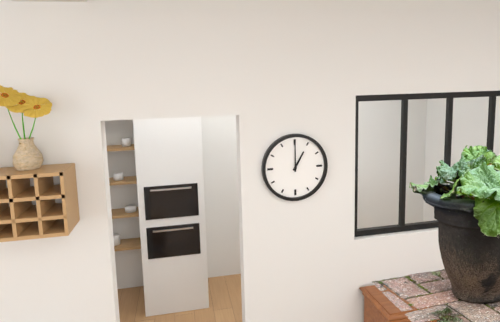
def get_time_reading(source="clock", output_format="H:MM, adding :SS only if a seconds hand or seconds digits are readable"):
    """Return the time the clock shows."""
1:00
